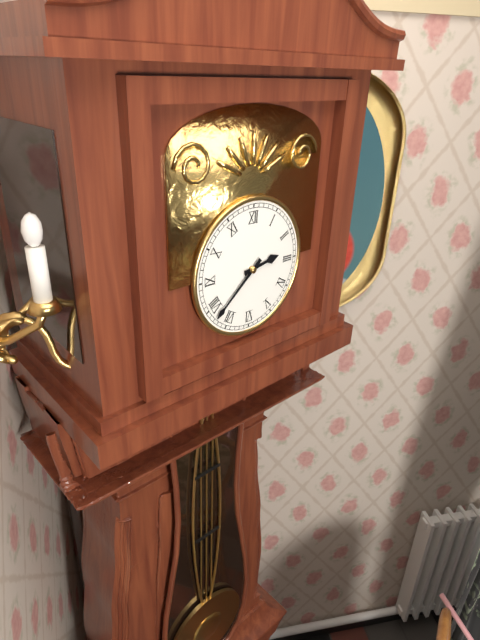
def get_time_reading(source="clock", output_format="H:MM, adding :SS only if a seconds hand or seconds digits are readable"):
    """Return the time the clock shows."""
2:38
